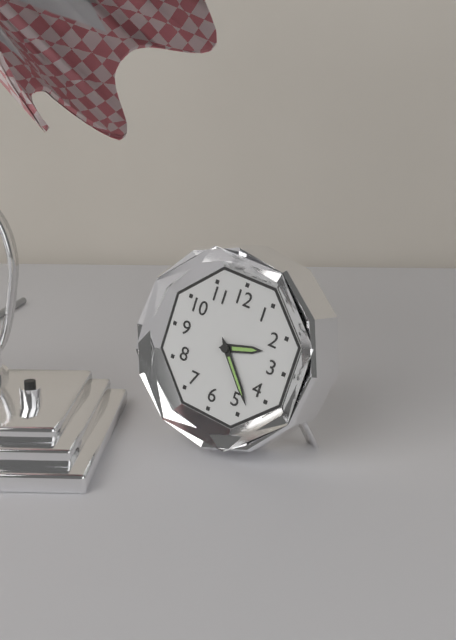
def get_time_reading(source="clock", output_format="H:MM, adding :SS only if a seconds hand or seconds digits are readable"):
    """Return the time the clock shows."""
2:23
